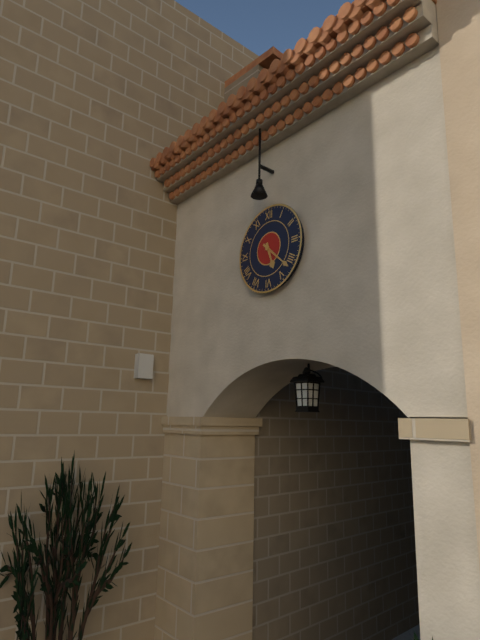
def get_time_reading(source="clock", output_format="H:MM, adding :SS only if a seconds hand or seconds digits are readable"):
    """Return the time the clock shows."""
5:22
